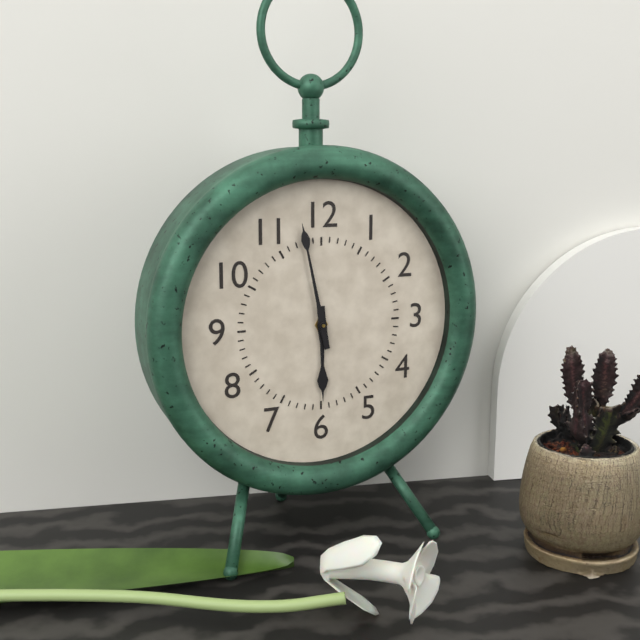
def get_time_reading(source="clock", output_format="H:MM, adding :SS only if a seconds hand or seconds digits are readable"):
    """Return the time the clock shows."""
5:58
